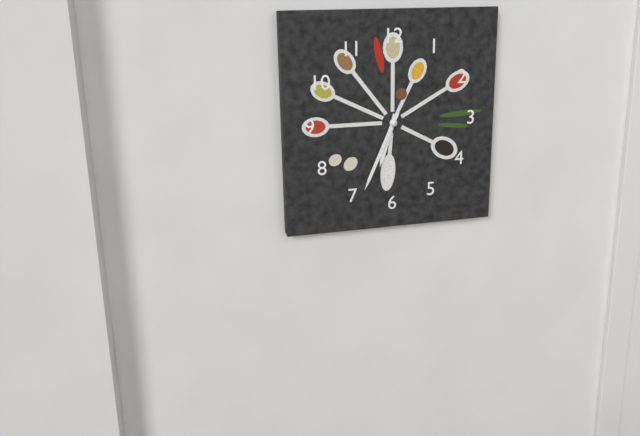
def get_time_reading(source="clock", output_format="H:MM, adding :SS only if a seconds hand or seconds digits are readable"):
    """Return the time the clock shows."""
6:34
